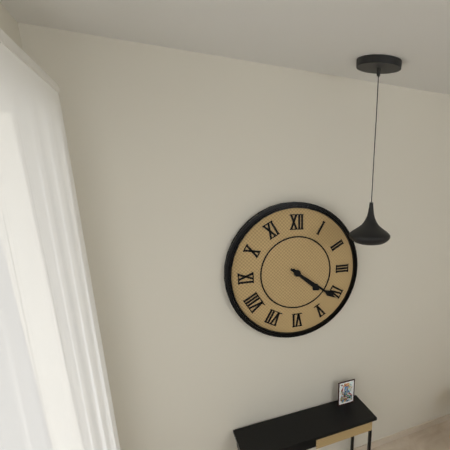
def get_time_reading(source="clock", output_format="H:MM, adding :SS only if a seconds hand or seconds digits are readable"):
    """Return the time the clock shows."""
4:21
